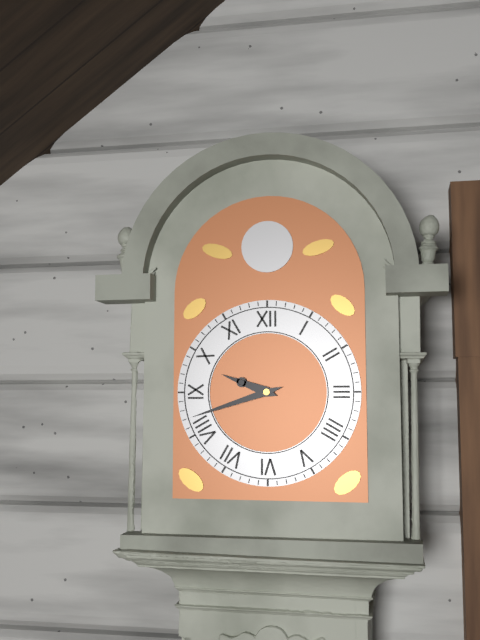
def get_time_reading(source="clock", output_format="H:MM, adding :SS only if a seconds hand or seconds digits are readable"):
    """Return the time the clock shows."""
9:42
